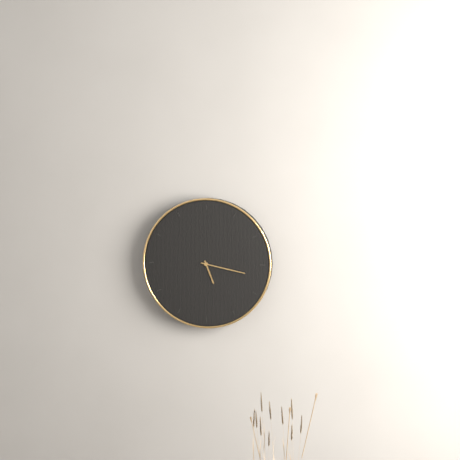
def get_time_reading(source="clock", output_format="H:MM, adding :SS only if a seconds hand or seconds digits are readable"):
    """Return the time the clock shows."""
5:17
